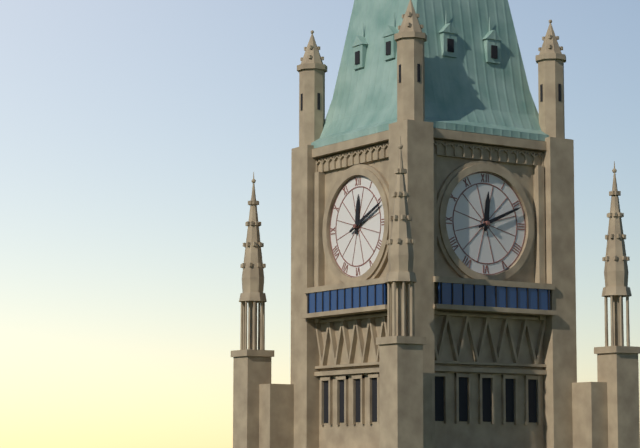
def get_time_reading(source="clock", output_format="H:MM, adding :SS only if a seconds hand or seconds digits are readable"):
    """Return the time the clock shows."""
12:11
